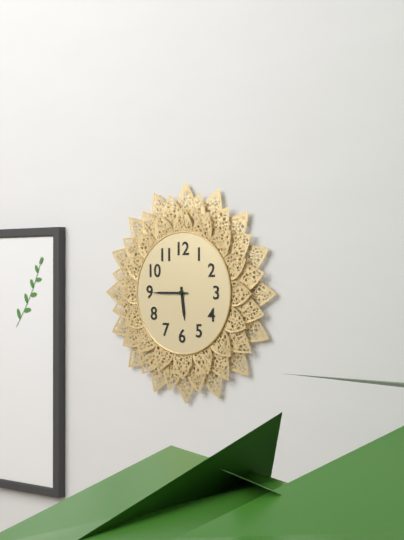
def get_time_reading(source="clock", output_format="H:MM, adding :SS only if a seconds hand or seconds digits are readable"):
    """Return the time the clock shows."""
5:45
